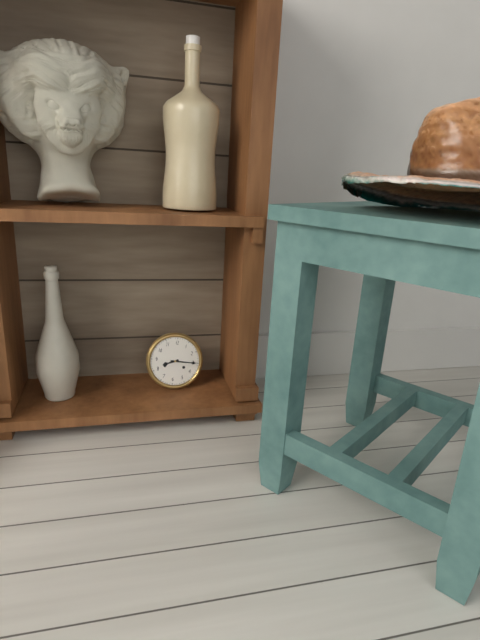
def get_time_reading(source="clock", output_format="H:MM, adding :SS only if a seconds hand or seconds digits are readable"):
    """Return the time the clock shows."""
8:15
